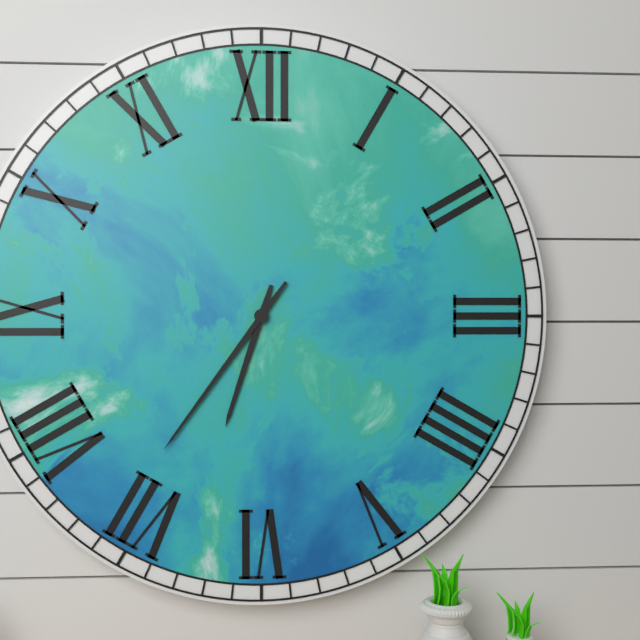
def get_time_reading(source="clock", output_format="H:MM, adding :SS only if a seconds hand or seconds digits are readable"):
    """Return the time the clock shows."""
6:36
